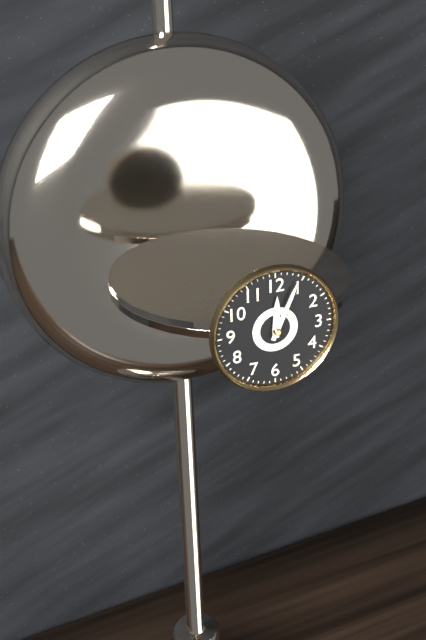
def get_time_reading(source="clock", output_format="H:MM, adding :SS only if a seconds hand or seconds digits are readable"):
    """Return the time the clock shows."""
12:04
